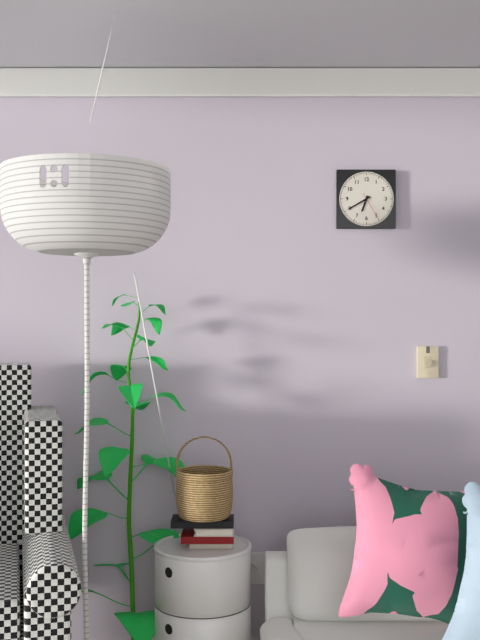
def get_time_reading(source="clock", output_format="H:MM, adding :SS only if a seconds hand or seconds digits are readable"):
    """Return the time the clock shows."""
6:40
